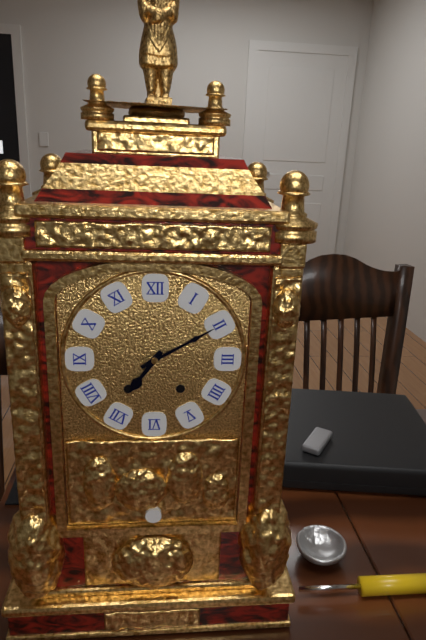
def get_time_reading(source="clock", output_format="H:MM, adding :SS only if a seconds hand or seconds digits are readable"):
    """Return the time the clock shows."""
7:10
